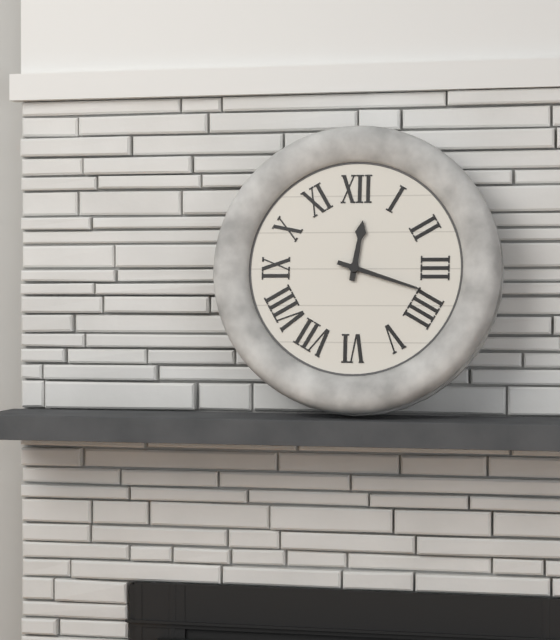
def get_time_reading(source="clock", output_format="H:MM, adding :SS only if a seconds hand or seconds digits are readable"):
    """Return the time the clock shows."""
12:18
